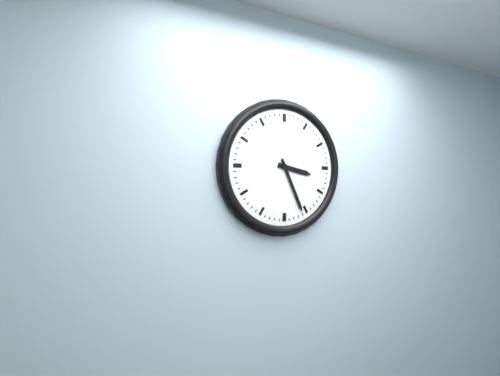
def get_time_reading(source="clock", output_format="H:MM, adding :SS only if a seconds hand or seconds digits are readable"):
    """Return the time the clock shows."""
3:26
